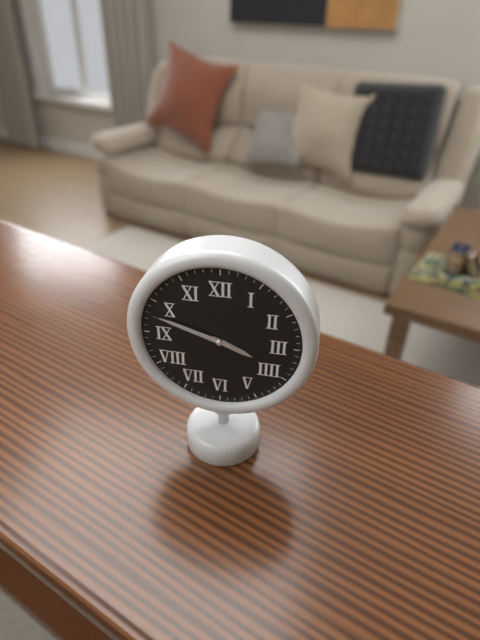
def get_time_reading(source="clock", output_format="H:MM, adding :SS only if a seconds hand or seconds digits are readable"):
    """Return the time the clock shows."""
3:48:48
